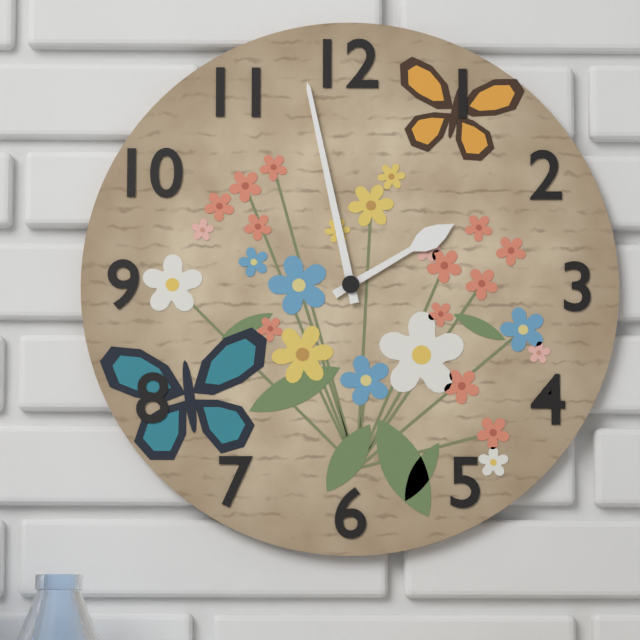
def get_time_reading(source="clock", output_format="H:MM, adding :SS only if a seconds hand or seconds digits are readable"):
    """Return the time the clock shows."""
1:58
